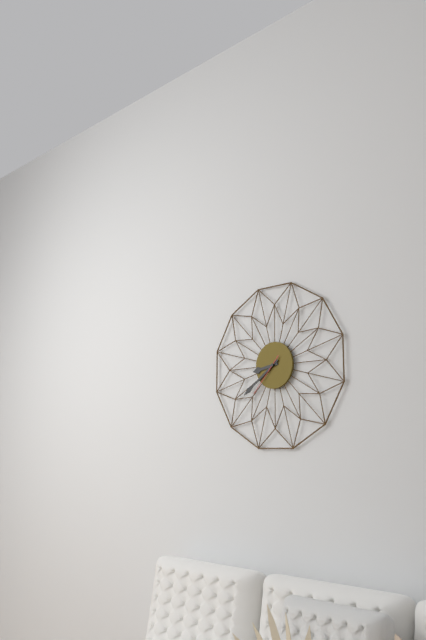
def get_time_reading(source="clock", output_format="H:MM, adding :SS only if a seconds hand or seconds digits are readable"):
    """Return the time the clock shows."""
8:39
